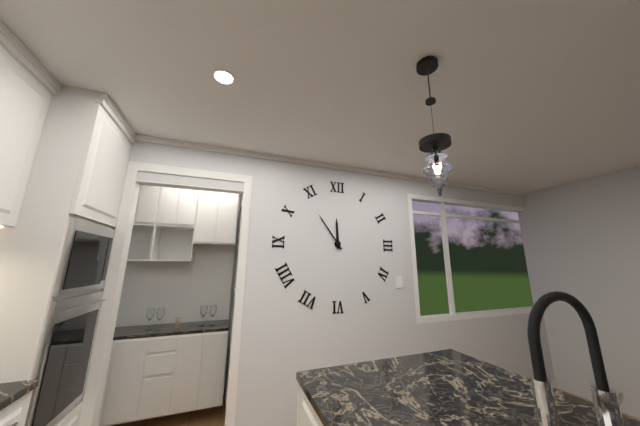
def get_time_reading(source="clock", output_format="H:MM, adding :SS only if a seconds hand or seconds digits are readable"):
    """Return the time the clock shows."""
11:54
